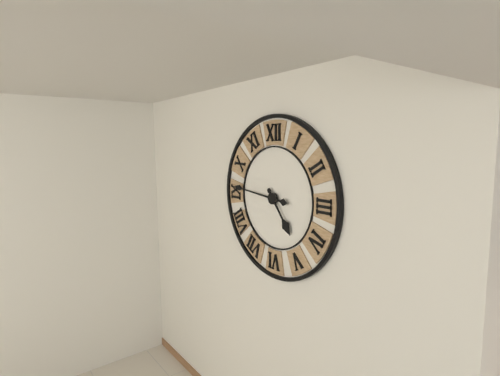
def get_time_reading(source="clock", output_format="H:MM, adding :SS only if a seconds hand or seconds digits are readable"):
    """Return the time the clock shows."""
4:46
